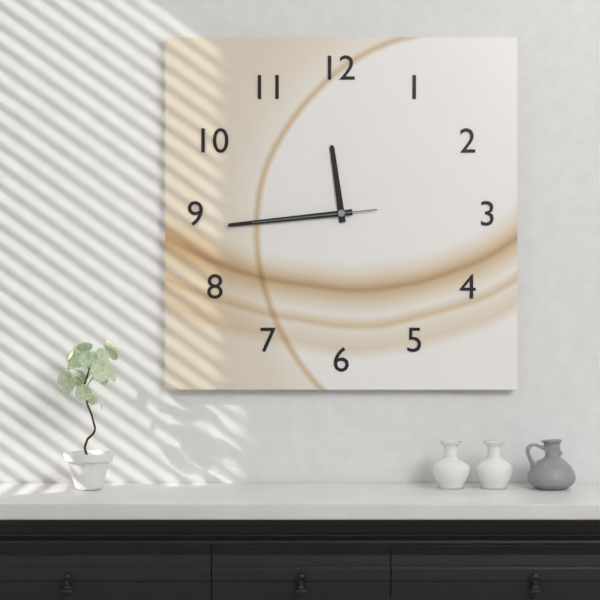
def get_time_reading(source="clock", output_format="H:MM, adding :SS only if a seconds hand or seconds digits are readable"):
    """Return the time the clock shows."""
11:44:44
